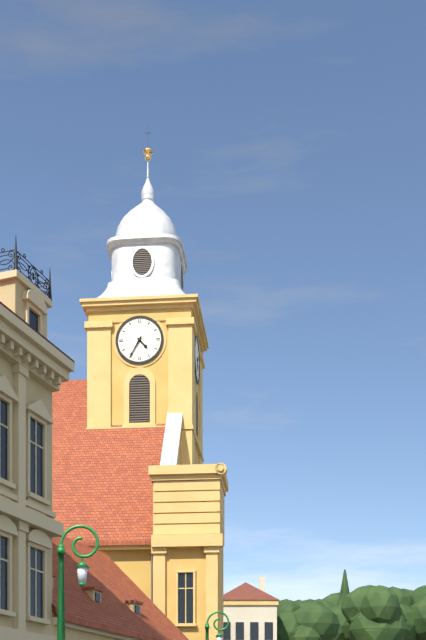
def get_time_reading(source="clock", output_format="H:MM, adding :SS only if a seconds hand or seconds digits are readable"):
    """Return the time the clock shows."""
4:35
